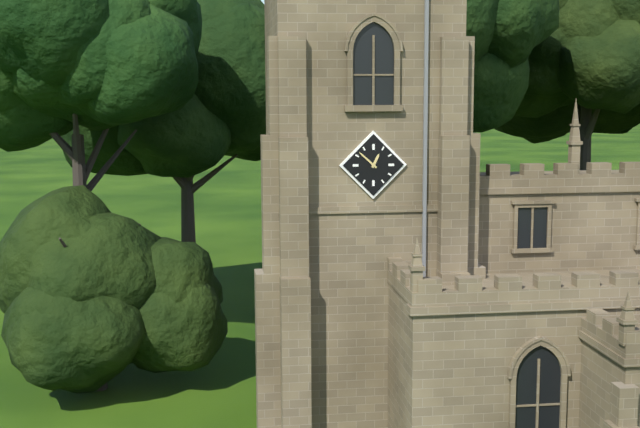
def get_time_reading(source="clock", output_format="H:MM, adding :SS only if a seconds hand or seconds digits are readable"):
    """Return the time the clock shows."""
12:52
